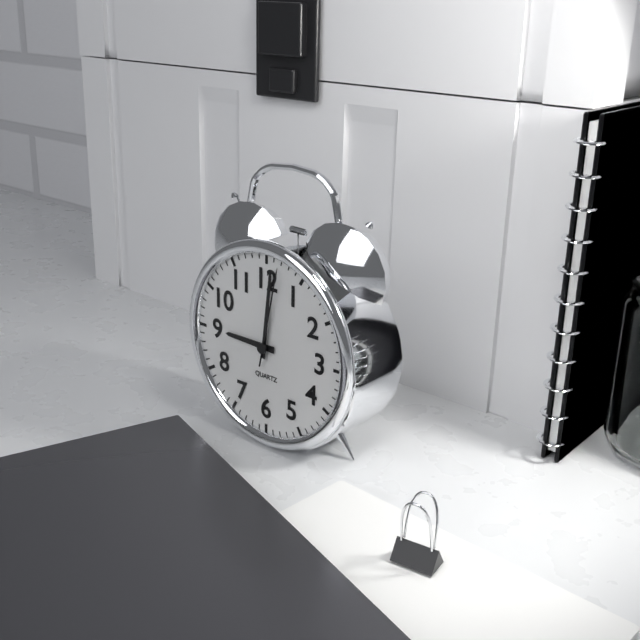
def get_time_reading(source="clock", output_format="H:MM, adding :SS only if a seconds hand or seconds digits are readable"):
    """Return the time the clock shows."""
9:01:02
